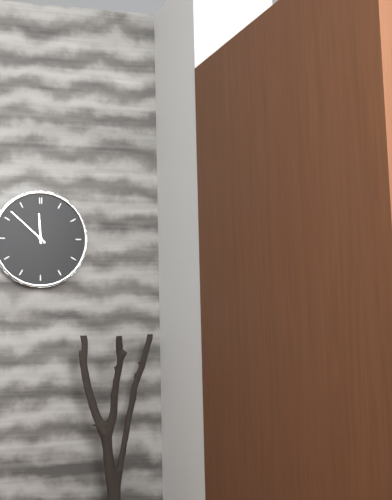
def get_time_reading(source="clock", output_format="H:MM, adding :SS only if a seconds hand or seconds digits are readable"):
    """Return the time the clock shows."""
11:52
